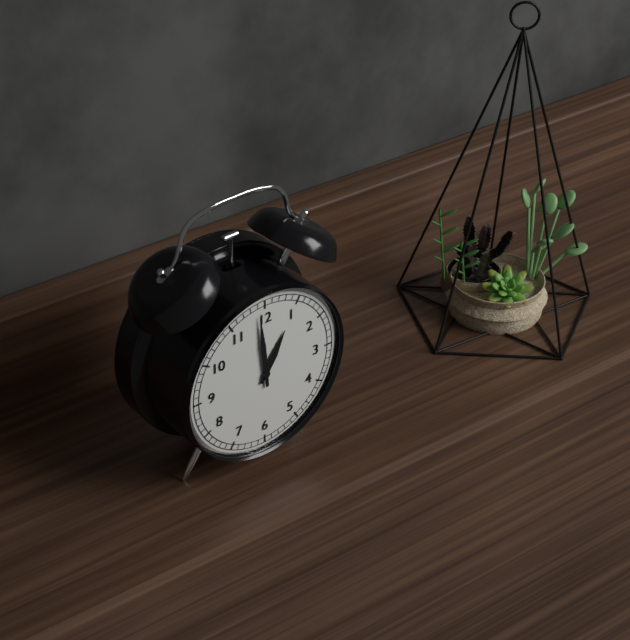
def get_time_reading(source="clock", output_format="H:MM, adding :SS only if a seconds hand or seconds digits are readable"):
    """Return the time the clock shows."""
12:59
